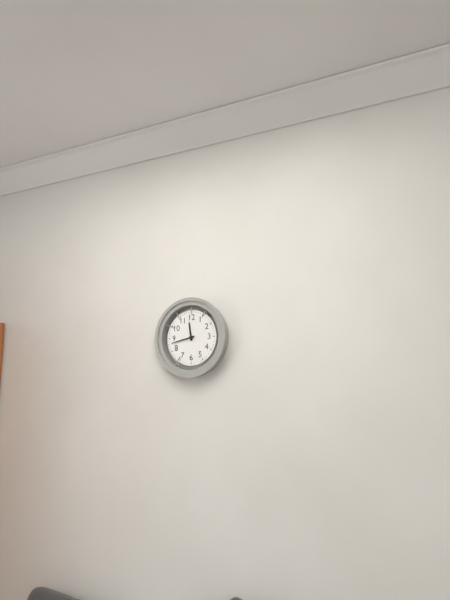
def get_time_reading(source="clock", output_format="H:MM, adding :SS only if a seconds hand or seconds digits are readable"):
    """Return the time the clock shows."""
11:43
